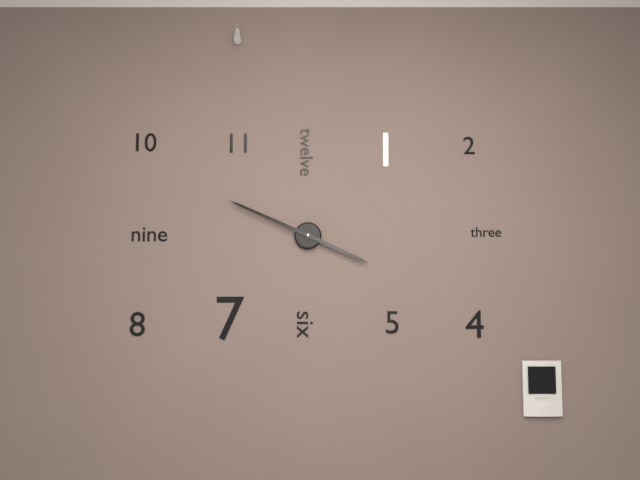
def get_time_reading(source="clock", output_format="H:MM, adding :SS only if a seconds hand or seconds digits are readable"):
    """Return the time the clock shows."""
3:49
